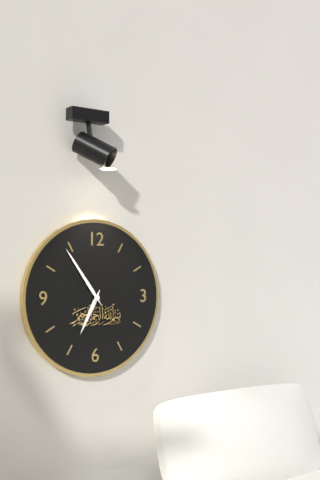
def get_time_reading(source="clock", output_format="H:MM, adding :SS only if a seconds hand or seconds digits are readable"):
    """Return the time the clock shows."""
6:54
